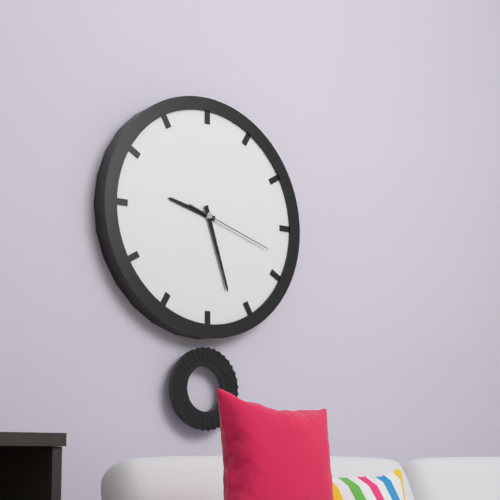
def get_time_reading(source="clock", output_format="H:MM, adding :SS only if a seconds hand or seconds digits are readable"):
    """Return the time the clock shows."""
9:27:18
